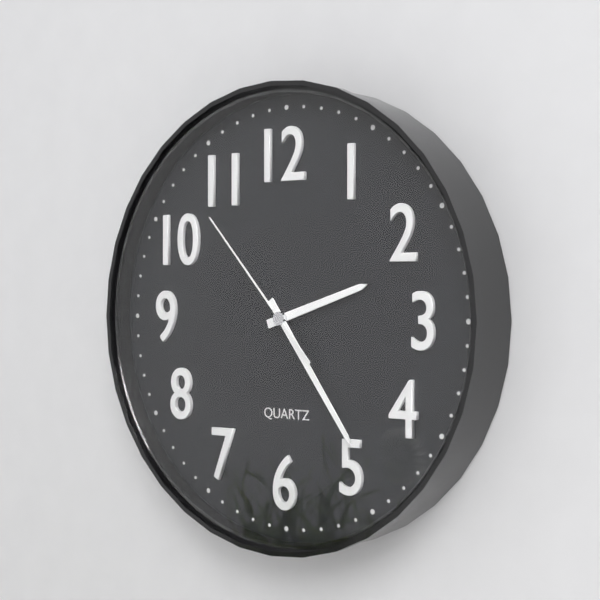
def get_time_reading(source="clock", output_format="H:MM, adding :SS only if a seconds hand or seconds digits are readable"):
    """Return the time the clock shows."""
2:24:53
